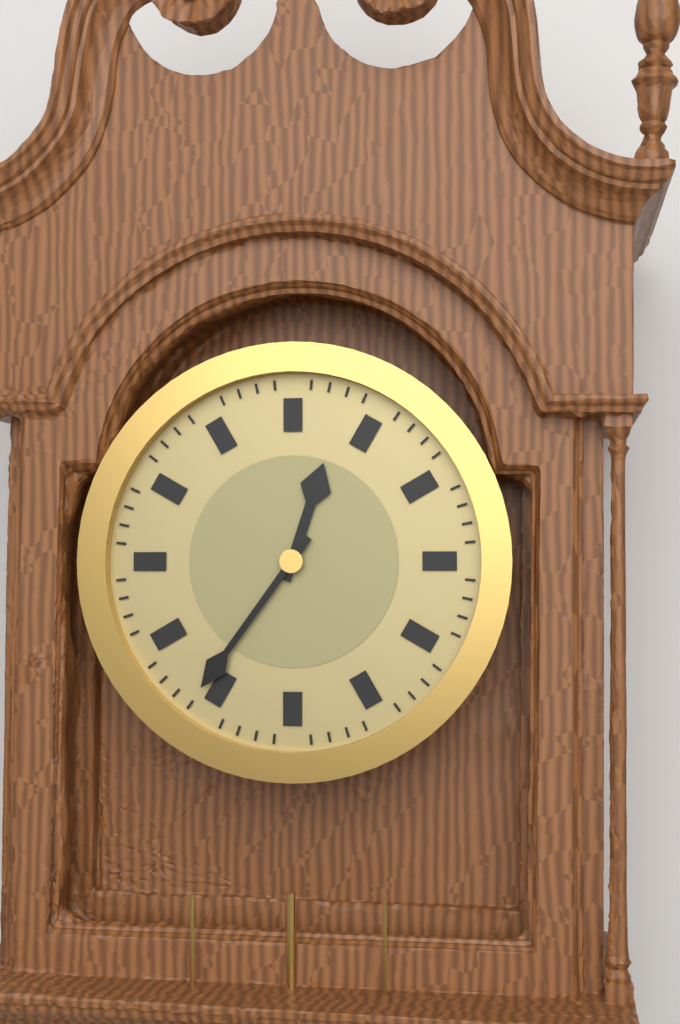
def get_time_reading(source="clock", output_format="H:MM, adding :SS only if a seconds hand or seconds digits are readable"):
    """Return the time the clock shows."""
12:36
